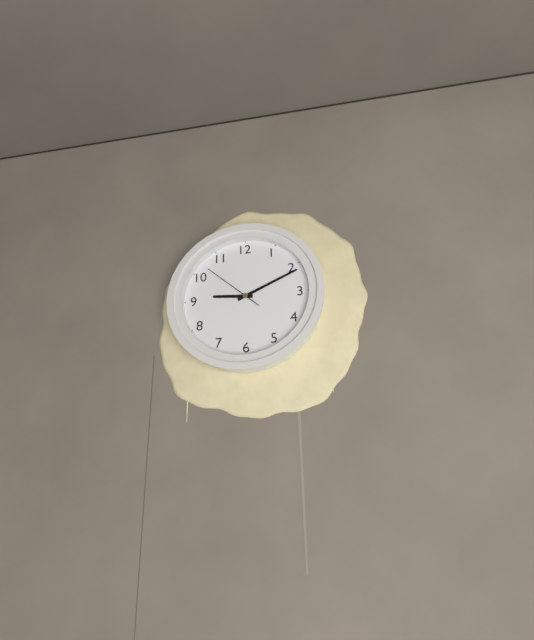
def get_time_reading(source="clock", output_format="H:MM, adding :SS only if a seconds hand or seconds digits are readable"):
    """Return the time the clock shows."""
9:11:52
